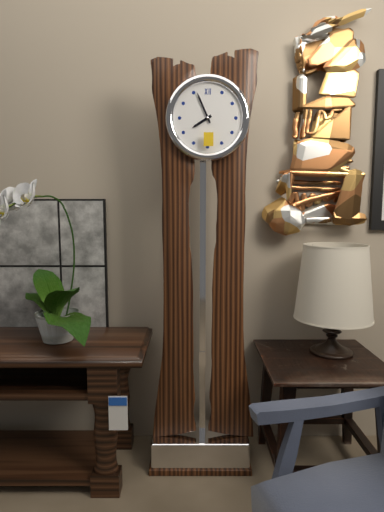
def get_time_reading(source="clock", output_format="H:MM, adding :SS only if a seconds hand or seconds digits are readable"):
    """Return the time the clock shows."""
7:56
